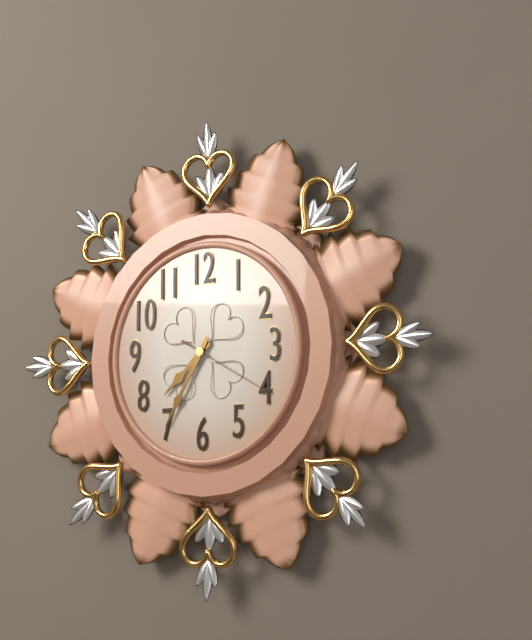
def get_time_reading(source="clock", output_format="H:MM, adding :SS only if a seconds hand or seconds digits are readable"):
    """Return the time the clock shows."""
7:35:20
